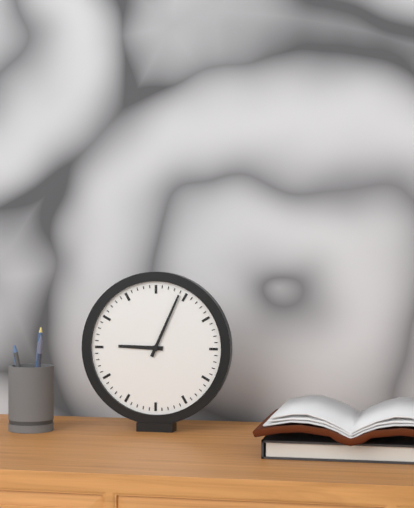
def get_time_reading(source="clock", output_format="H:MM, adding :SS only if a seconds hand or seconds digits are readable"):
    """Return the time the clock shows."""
9:04
